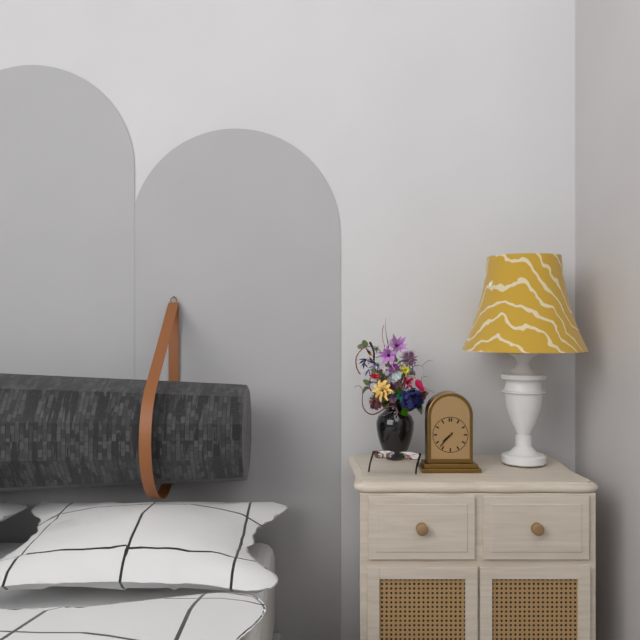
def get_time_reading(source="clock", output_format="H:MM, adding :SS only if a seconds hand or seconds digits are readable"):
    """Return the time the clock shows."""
7:37
